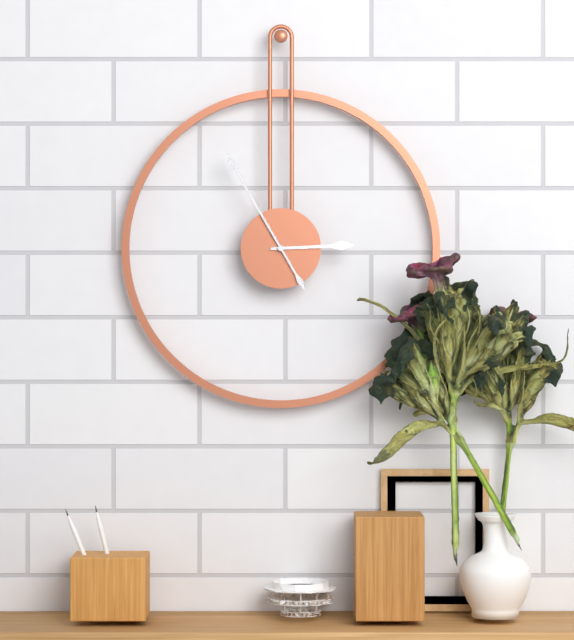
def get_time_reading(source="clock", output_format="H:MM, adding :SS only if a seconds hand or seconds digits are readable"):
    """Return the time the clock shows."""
2:55
